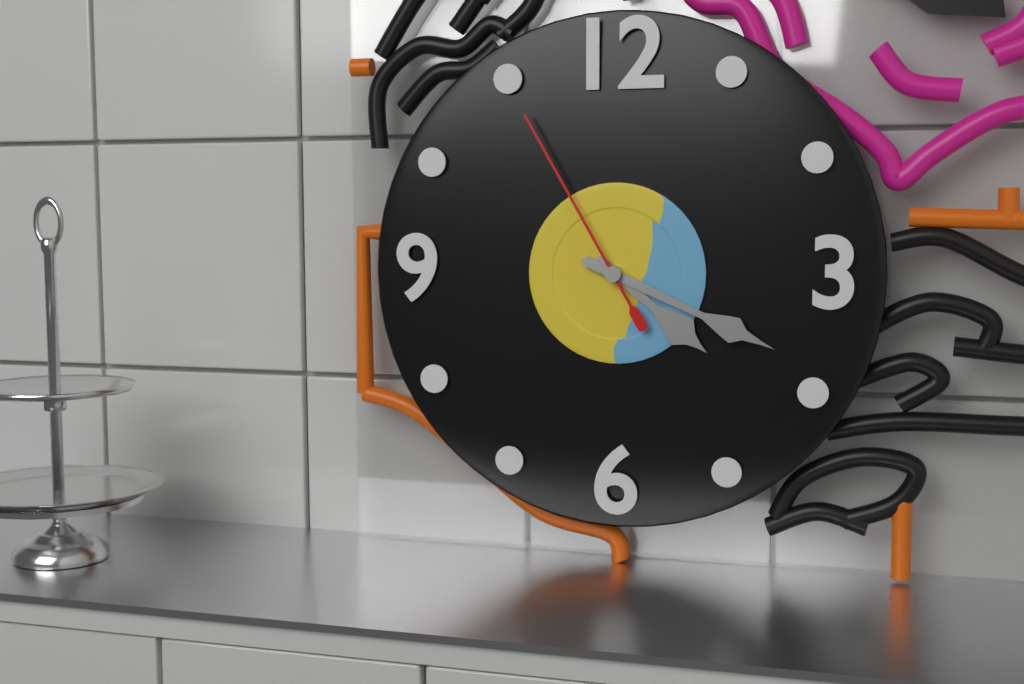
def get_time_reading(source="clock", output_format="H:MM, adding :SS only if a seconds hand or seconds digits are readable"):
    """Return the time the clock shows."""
4:19:55
